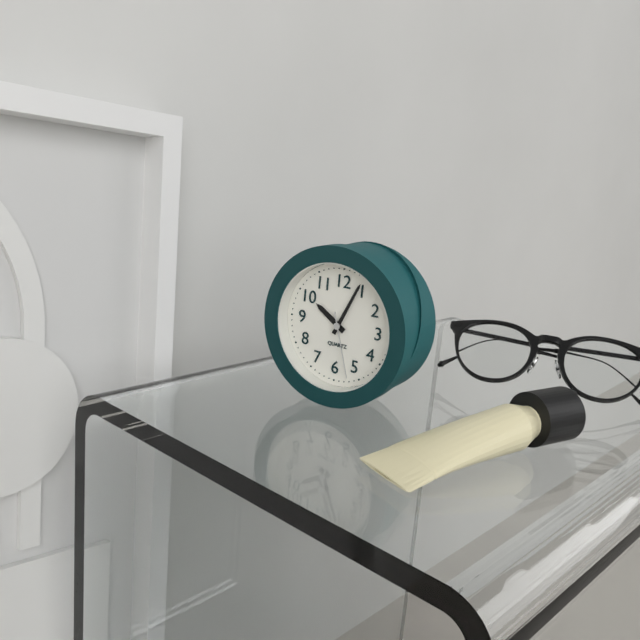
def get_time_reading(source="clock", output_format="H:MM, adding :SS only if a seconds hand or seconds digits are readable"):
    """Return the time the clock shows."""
10:04:27
